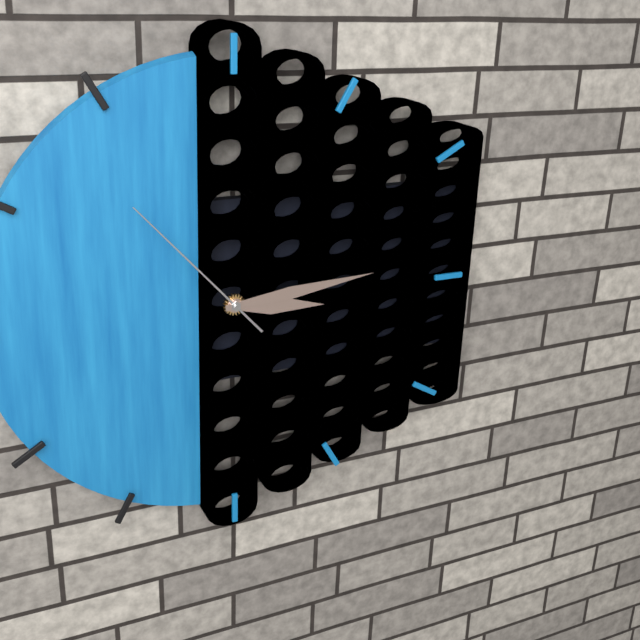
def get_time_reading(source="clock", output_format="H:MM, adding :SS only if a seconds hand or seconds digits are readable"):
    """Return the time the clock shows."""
3:14:53
